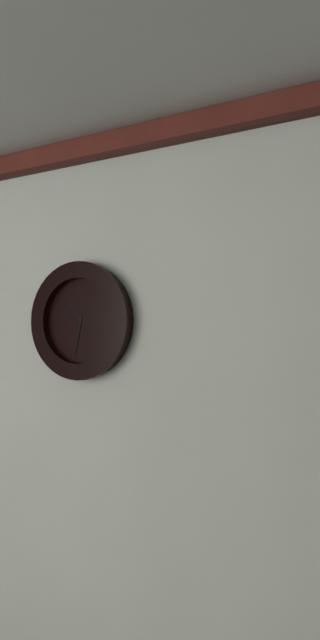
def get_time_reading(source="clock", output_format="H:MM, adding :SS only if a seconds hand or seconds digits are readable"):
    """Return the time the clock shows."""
10:32
